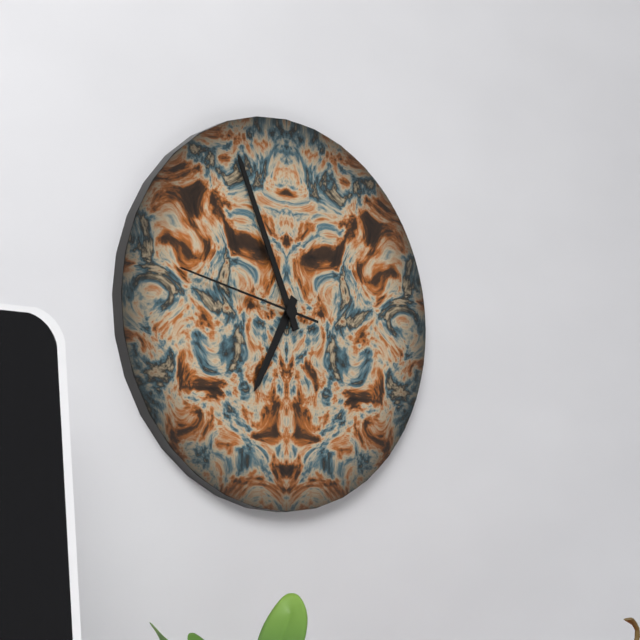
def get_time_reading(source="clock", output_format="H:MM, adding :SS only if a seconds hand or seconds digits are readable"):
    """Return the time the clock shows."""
6:56:47
